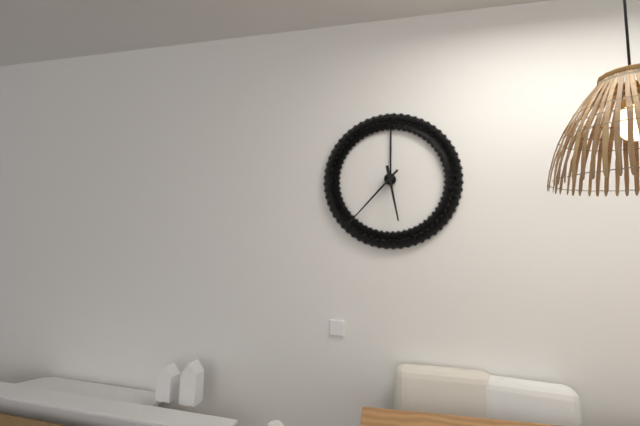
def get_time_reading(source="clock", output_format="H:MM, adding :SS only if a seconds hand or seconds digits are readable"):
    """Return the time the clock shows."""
5:37
